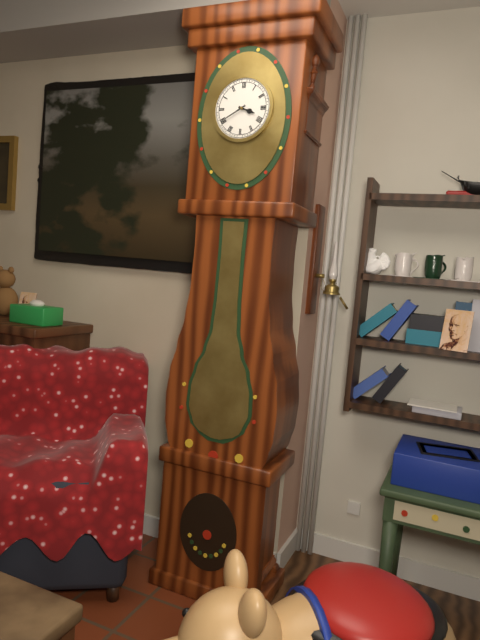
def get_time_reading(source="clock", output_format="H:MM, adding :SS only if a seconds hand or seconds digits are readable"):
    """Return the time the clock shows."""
3:40
